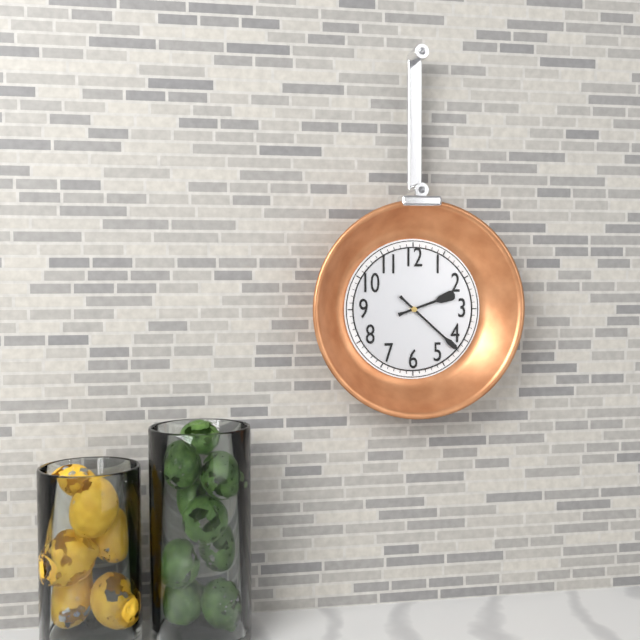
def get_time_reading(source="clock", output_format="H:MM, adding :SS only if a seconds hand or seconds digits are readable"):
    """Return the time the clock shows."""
2:22
